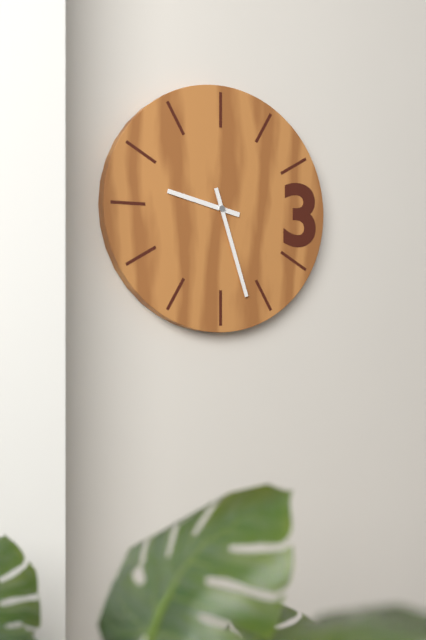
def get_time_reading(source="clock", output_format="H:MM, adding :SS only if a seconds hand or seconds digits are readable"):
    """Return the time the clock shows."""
9:27
